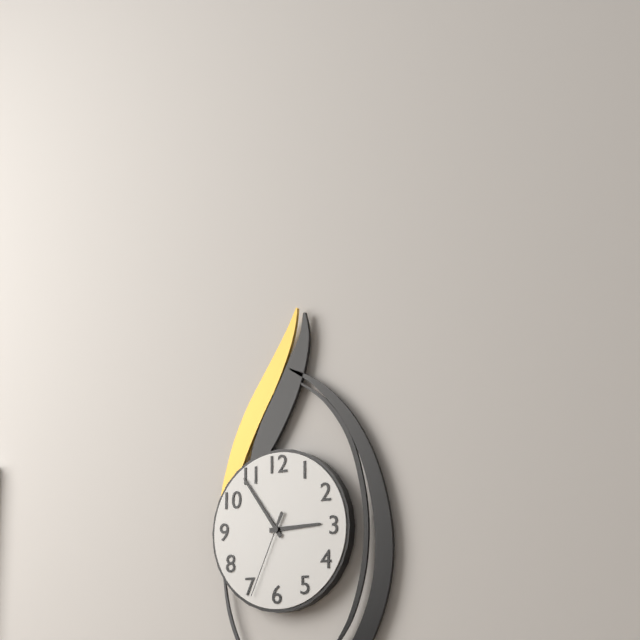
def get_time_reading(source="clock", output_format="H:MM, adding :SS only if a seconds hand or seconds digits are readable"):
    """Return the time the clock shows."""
2:54:34
